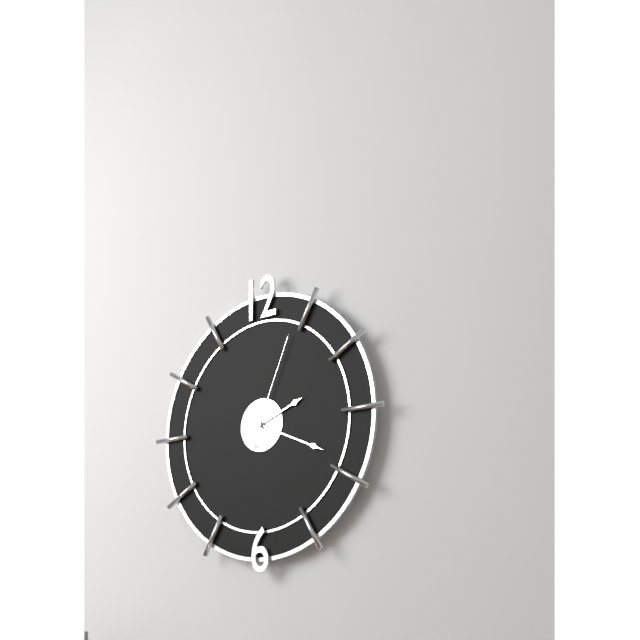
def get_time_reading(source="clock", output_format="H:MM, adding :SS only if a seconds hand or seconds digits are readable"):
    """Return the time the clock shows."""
2:19:04
